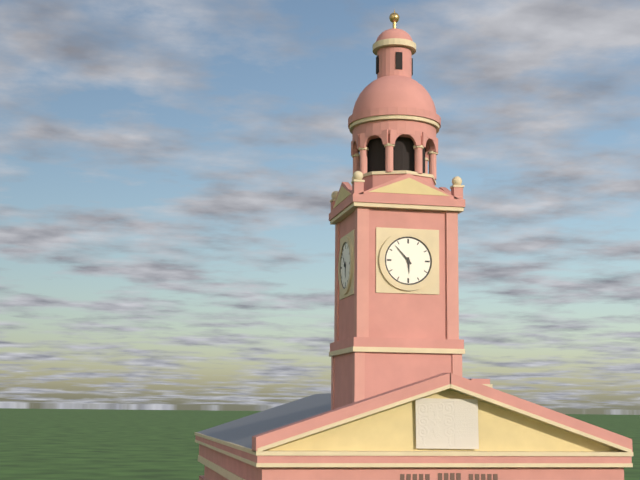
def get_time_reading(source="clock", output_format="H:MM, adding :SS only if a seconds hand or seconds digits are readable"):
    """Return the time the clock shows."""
5:53
